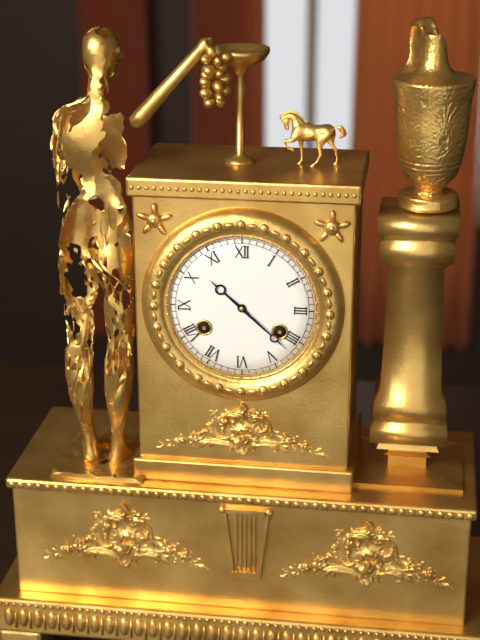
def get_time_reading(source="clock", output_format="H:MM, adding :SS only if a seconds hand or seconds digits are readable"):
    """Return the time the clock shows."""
10:22
